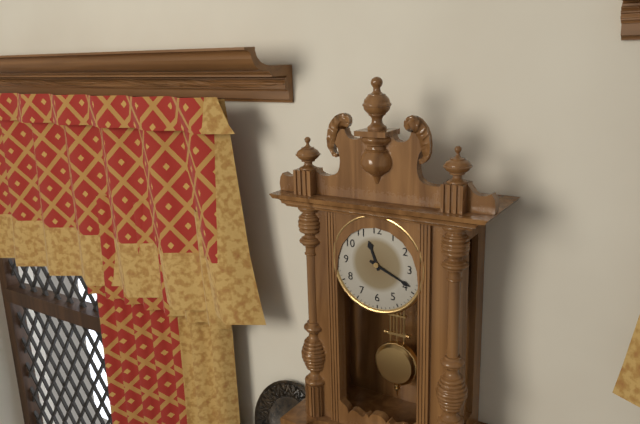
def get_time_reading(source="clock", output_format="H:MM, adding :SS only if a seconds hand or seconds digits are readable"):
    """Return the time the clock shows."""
11:19
